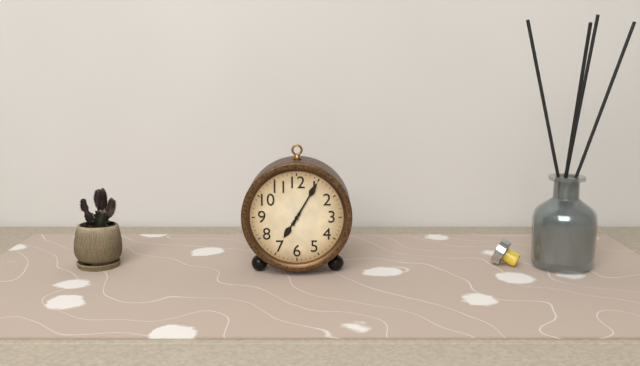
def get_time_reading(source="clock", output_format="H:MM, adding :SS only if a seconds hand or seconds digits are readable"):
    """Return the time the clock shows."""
7:05
